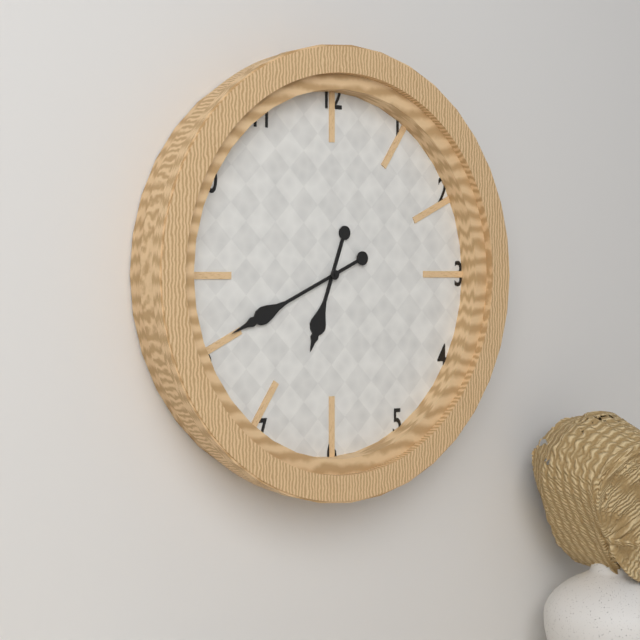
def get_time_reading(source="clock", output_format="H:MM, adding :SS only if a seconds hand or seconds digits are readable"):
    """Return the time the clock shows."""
6:41
